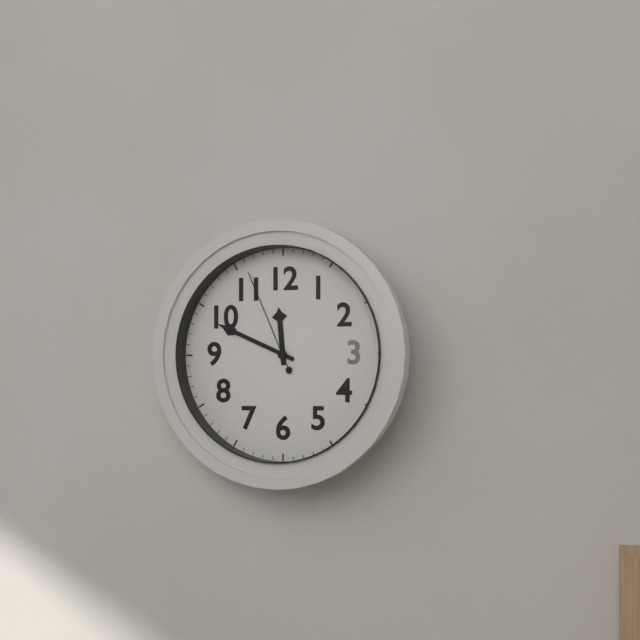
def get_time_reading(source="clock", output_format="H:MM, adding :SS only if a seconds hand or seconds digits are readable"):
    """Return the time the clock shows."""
11:49:56
